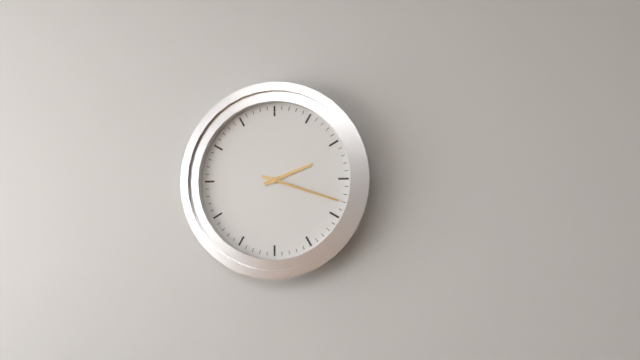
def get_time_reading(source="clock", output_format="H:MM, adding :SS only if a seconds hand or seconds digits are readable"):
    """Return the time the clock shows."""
2:18
